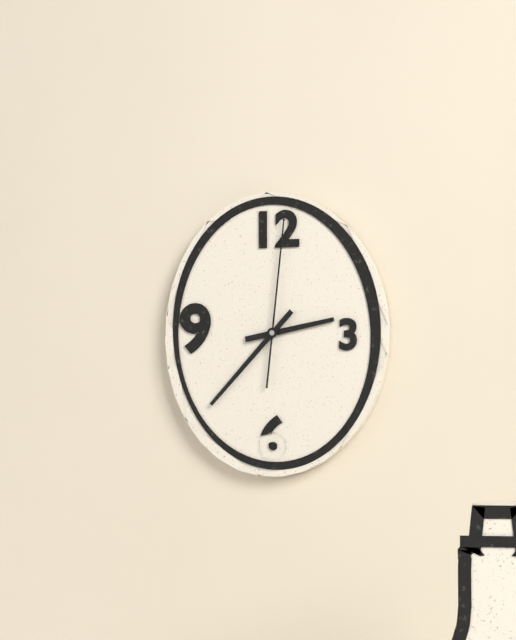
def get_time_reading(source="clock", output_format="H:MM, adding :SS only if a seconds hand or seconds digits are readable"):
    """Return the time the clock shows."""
2:37:01
